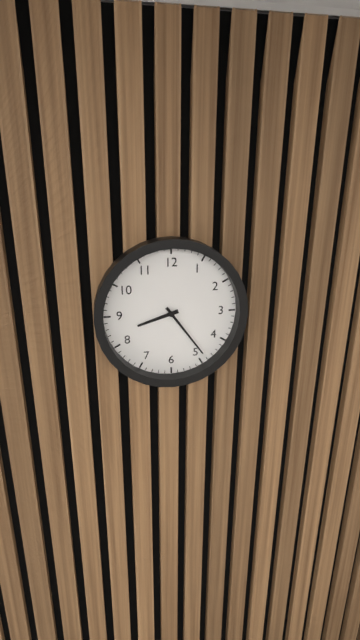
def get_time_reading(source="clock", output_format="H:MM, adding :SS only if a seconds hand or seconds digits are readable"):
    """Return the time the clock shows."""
8:24
